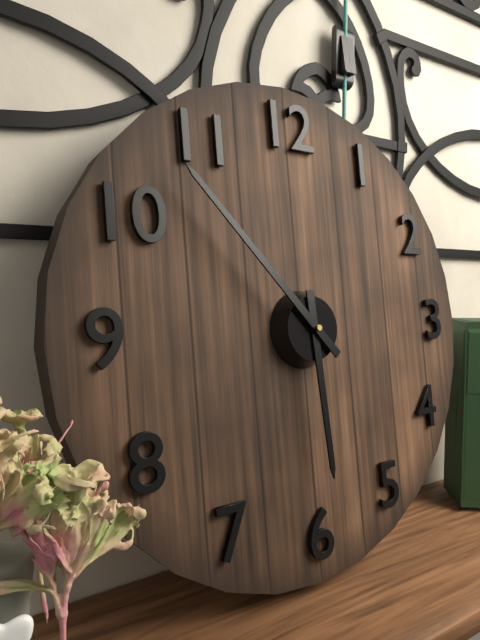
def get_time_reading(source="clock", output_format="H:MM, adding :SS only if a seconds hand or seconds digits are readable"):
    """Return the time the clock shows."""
5:53
